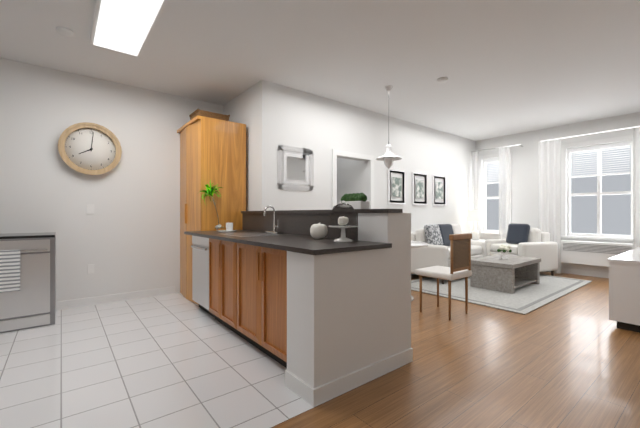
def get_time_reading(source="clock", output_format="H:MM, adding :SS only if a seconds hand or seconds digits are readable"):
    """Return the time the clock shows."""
8:01
